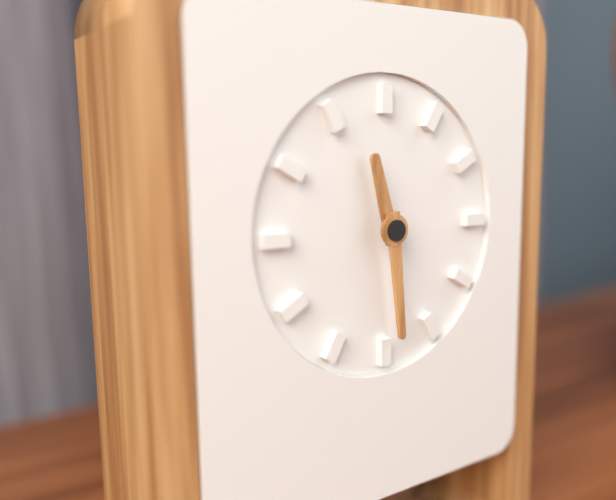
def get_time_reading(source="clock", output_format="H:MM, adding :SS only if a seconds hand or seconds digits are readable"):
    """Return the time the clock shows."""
11:29
